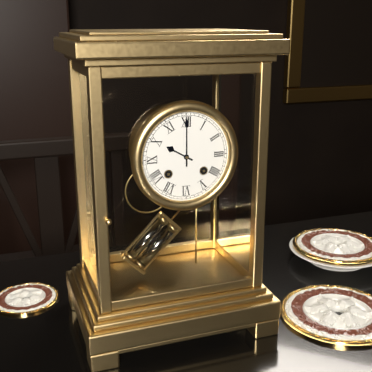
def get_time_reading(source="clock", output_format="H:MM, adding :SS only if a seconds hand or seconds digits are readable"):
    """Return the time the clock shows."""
10:00
